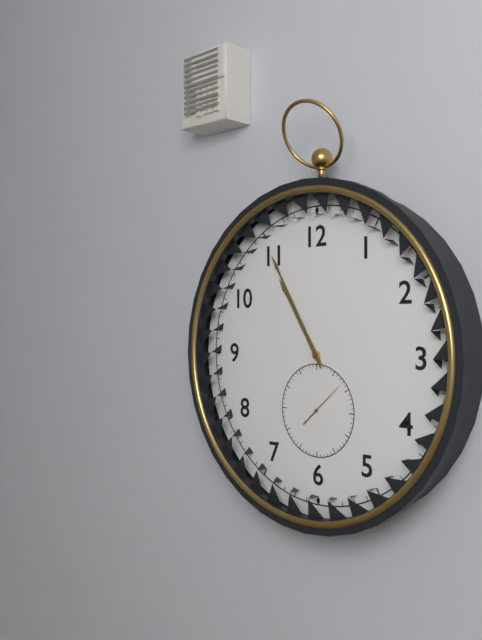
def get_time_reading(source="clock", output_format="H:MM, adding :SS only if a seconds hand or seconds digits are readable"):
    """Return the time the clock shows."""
10:55
